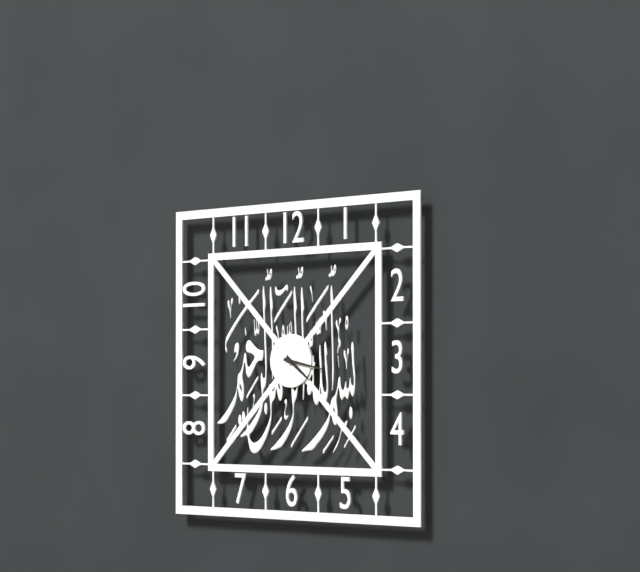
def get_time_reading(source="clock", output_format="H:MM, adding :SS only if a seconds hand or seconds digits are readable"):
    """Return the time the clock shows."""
4:17
